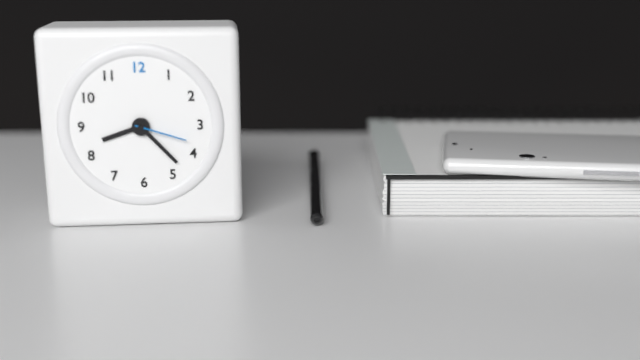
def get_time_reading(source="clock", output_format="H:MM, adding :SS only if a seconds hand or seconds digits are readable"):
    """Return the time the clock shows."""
8:23:18
